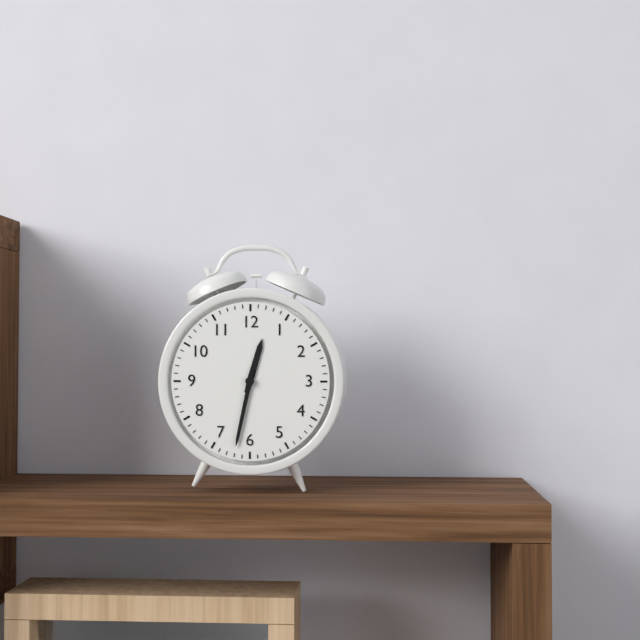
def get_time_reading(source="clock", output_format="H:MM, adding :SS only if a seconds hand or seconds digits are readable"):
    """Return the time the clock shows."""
12:32
